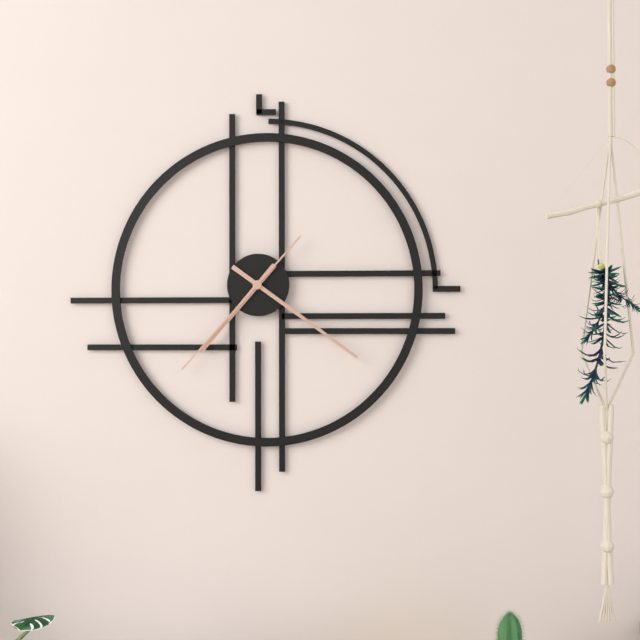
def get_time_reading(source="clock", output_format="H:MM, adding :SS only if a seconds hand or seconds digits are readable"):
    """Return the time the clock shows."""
7:21:37
